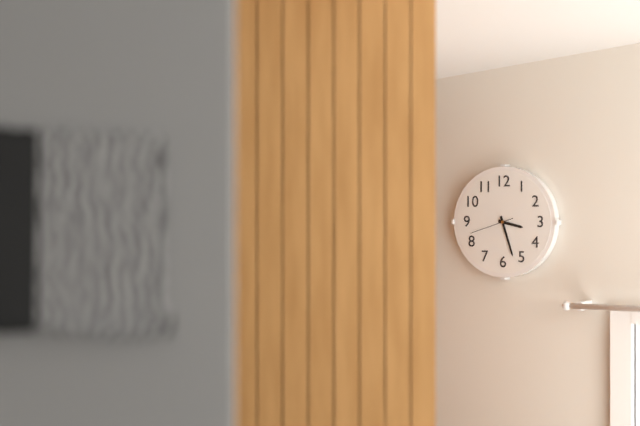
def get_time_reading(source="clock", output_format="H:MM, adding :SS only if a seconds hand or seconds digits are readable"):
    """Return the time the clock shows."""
3:27
